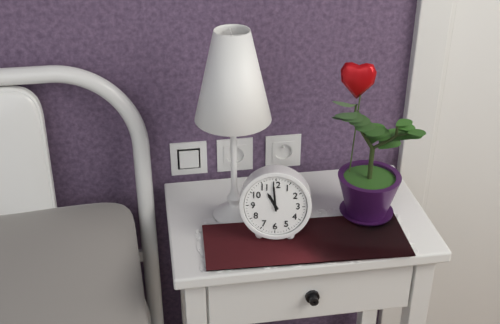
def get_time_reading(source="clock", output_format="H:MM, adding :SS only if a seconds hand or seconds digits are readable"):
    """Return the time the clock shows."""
10:59
